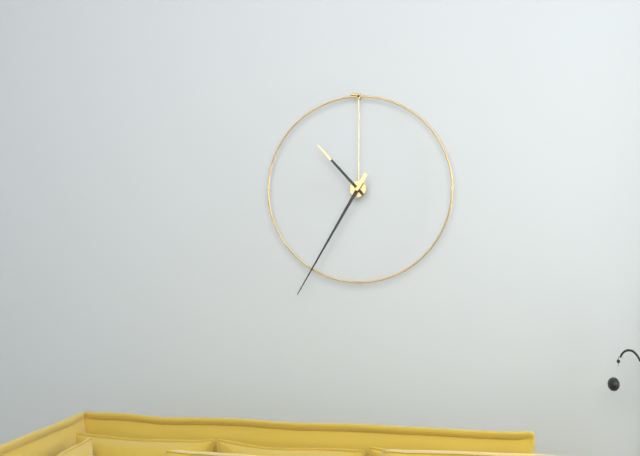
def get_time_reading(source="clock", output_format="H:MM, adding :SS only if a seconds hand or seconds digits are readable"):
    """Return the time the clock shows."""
10:35
